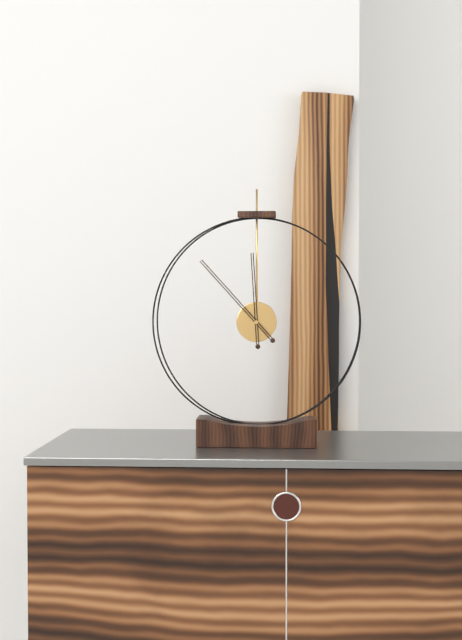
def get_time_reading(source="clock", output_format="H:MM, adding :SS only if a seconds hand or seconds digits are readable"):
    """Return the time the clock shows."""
11:53
